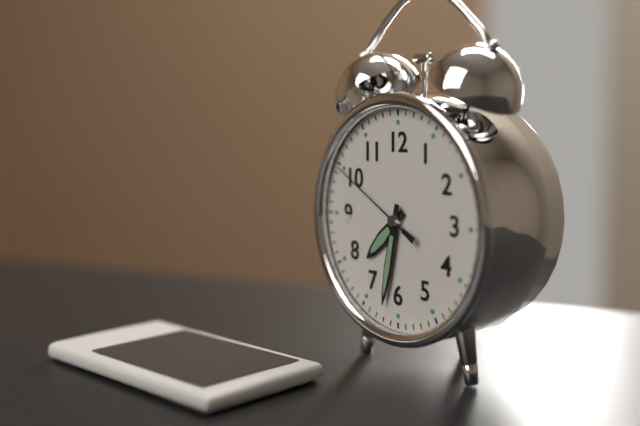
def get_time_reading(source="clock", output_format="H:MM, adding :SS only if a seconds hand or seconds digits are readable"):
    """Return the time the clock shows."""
7:32:50
